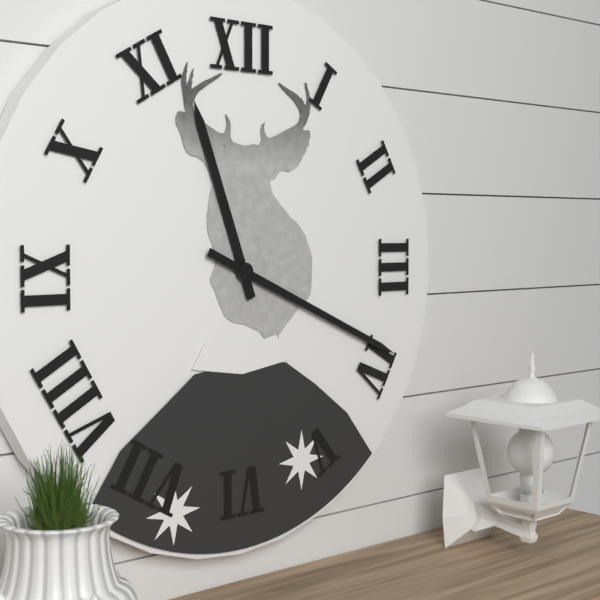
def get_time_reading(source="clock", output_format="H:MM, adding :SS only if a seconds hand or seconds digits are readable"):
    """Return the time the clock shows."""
11:19
